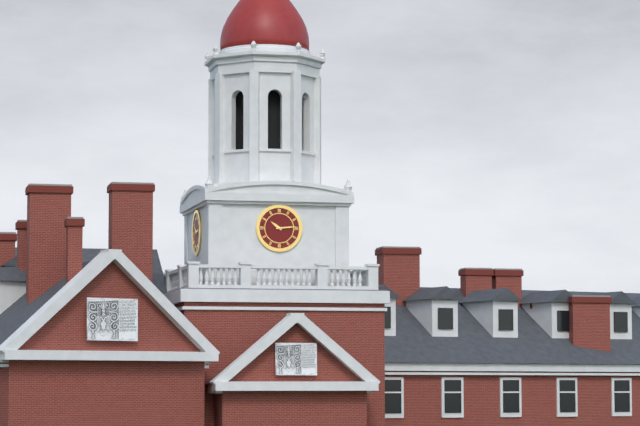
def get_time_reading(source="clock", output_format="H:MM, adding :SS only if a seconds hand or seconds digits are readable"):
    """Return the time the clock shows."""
10:14
